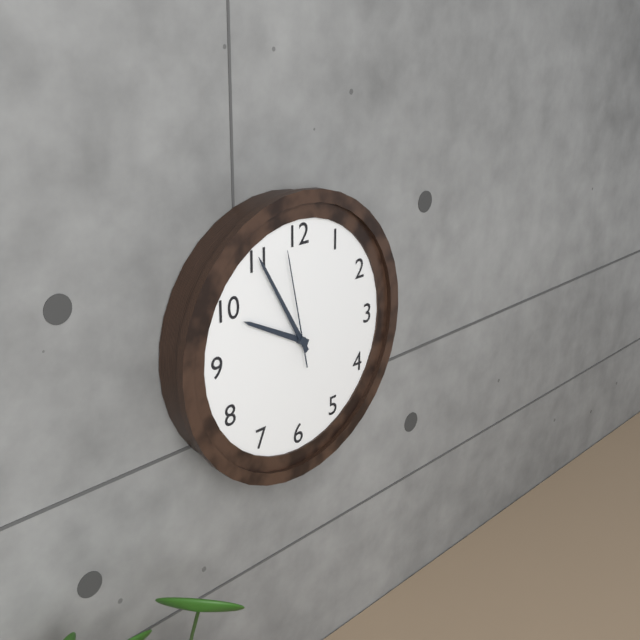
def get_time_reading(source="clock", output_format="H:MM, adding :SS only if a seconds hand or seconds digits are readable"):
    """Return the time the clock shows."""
9:55:58
